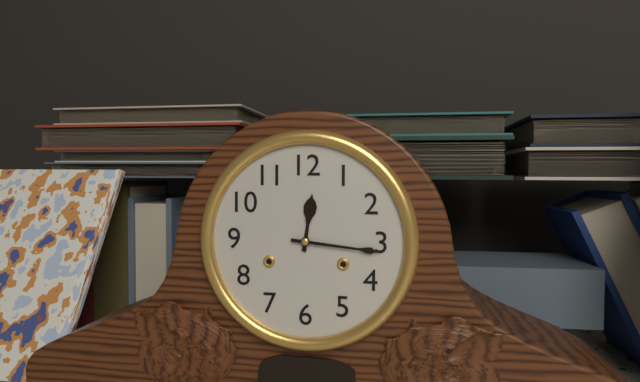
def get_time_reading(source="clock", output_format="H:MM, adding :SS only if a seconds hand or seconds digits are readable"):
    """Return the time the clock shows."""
12:16
